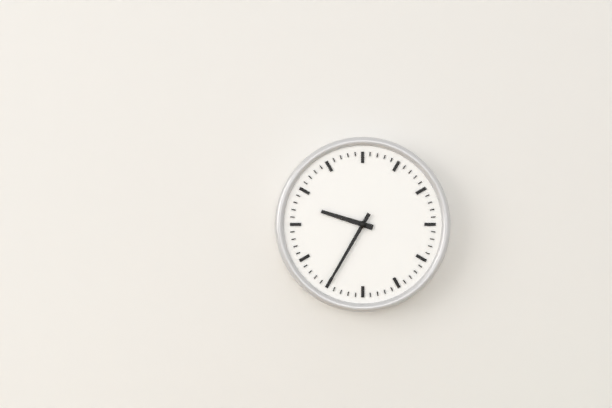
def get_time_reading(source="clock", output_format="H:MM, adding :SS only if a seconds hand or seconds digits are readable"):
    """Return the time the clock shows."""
9:35
